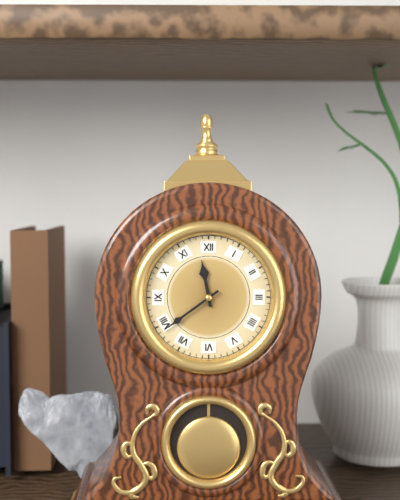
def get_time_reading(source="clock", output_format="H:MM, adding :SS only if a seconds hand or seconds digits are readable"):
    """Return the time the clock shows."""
11:39
